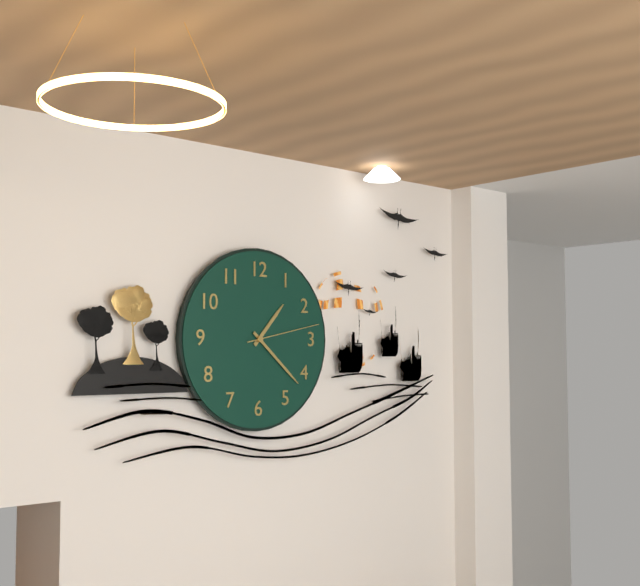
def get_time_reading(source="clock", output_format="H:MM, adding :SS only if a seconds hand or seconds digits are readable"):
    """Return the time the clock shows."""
1:22:13
